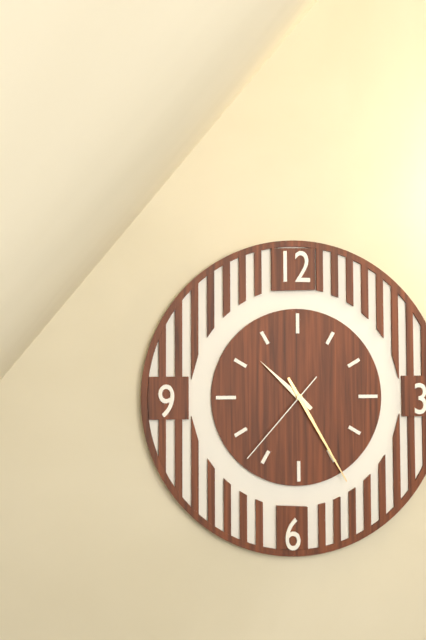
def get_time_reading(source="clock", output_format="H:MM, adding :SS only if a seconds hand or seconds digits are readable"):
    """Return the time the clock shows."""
10:25:37
